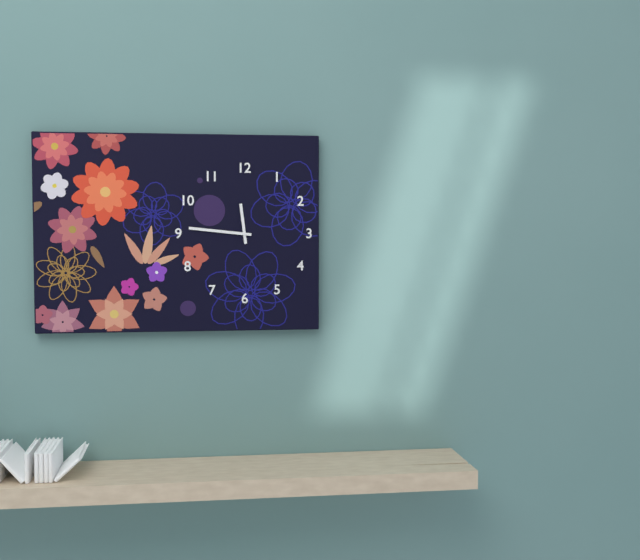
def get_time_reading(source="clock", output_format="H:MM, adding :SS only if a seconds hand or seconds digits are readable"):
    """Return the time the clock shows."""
11:46
